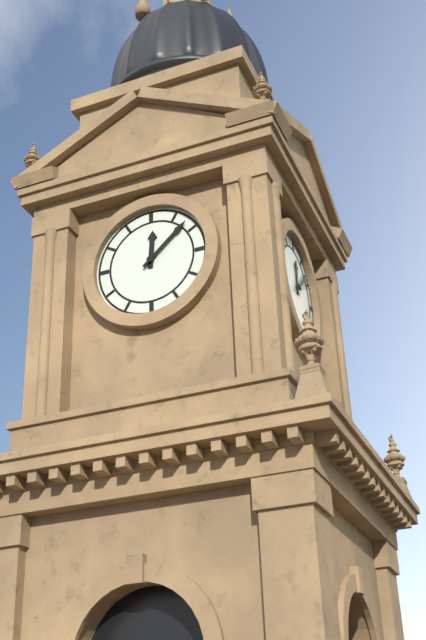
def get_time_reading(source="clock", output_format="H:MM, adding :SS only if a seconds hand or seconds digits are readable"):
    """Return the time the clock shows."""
12:08
